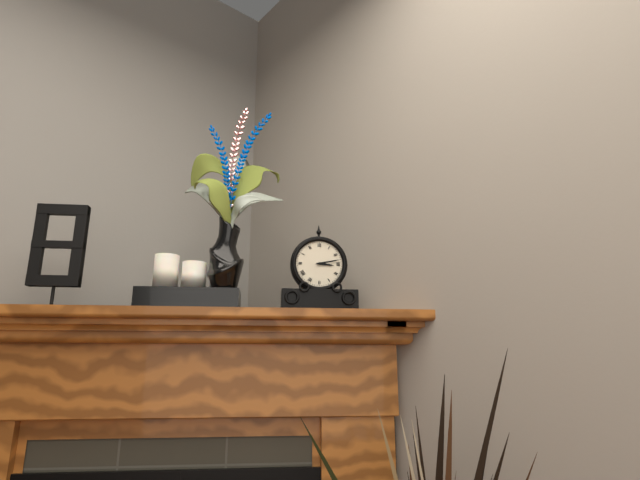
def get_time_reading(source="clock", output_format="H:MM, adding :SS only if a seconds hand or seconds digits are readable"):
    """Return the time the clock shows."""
3:13
